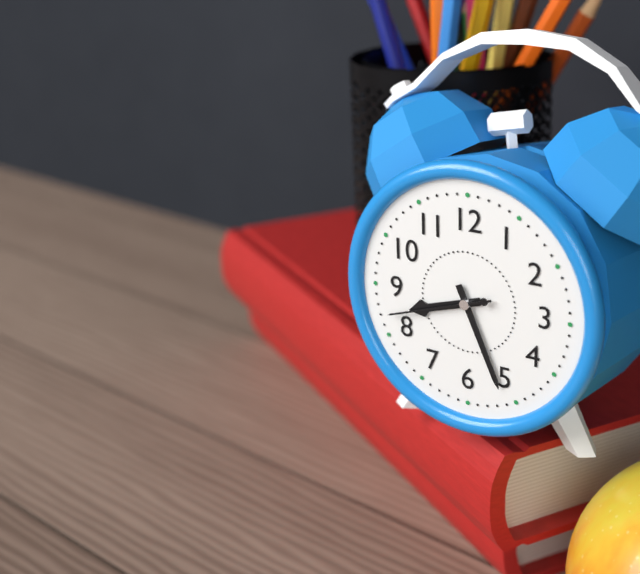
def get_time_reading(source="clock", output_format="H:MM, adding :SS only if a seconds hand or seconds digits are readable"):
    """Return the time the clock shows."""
8:26:42
